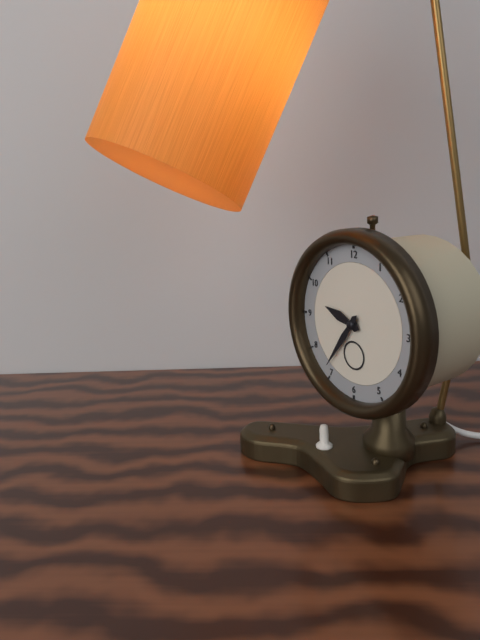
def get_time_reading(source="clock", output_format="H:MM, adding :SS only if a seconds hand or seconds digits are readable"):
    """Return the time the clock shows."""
9:36
